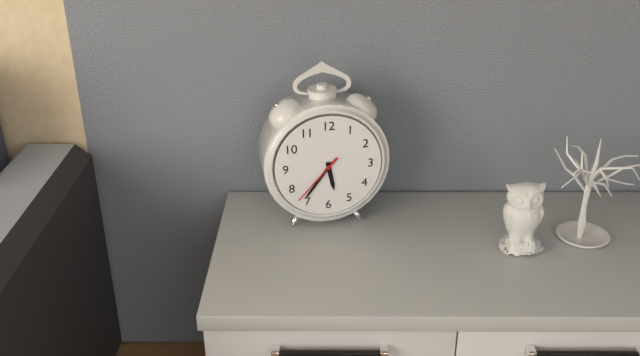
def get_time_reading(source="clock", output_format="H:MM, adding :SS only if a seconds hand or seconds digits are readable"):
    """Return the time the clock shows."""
5:36:37
